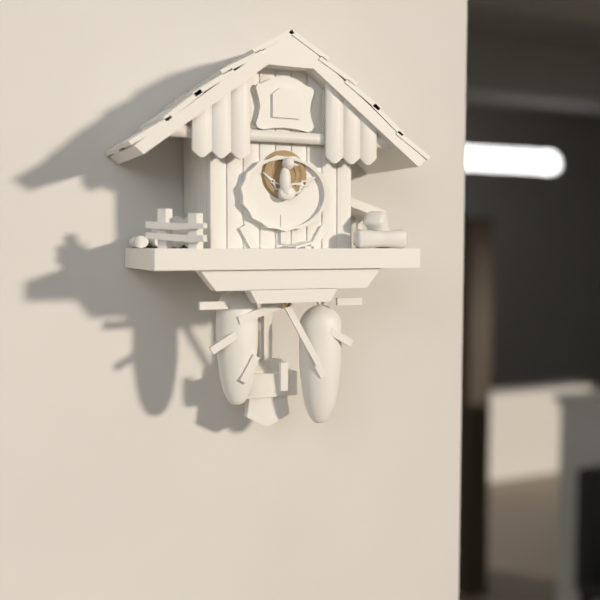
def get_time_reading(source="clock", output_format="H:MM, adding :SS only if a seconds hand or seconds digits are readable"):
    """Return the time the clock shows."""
8:25
